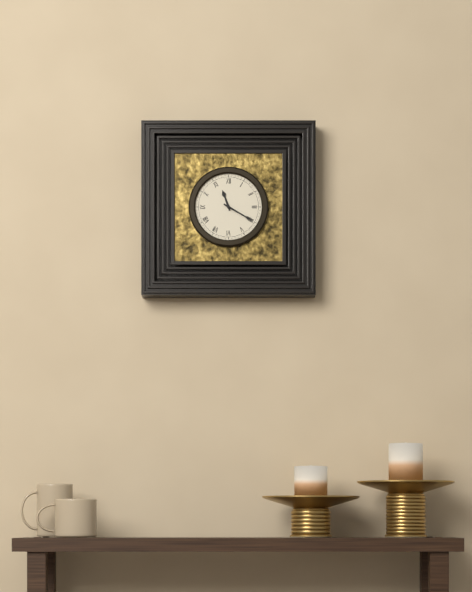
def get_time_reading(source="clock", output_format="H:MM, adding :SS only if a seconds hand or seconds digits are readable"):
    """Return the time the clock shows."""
11:20
